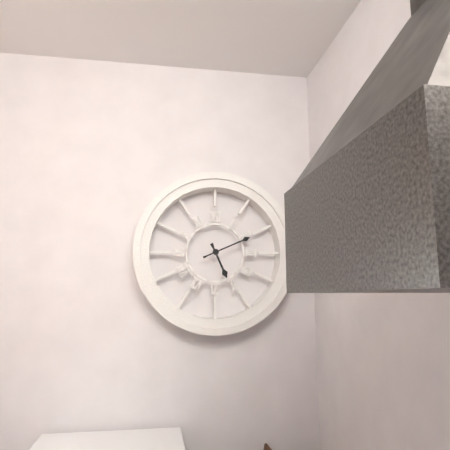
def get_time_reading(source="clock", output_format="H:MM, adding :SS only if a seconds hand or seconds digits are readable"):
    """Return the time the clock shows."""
5:11
